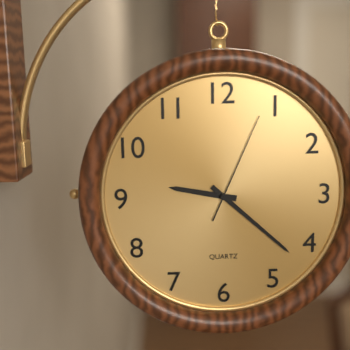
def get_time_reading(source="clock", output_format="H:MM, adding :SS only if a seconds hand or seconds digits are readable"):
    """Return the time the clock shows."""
9:22:04
